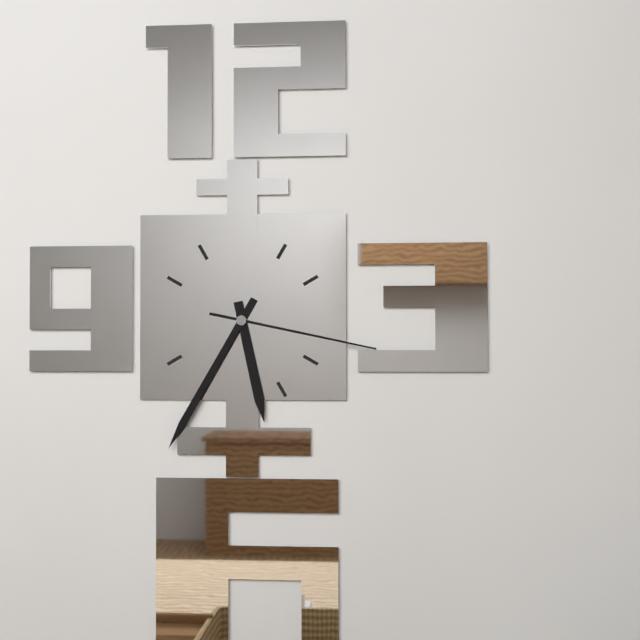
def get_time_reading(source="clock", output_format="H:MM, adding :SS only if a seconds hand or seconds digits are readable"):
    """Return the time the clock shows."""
5:35:17
